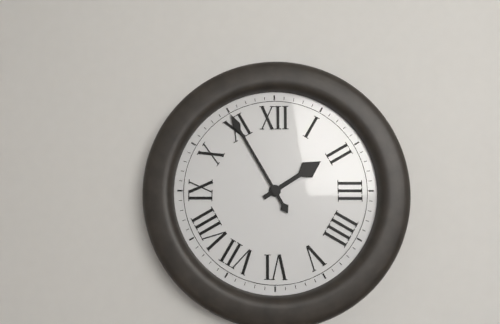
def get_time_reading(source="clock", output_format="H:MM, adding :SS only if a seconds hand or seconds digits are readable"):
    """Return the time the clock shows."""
1:55
